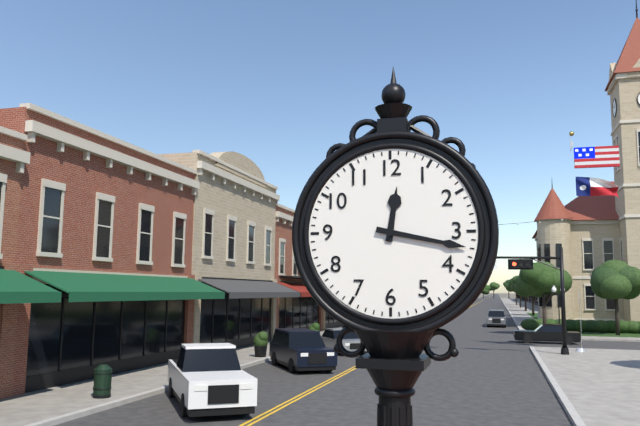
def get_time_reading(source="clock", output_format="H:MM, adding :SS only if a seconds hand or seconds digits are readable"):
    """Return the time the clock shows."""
12:17
